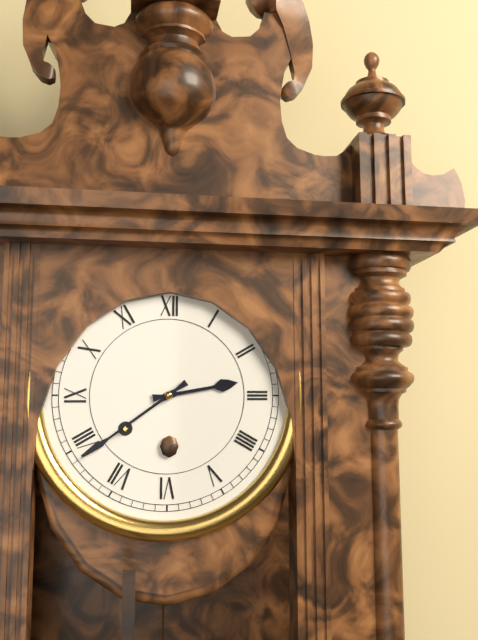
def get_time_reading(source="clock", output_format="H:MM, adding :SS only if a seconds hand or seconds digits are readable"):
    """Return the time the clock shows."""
2:39
